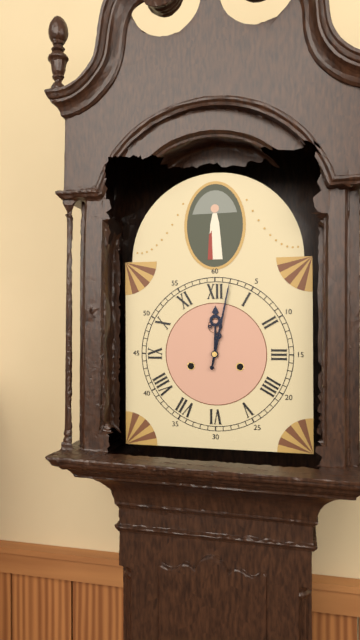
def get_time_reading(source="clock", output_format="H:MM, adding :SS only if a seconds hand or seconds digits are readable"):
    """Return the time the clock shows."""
12:02
